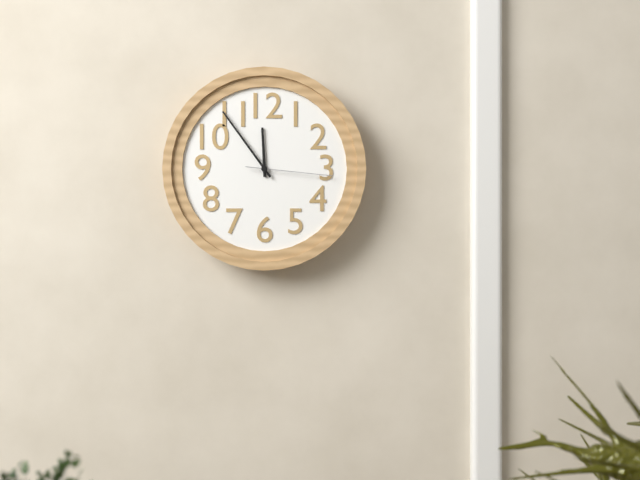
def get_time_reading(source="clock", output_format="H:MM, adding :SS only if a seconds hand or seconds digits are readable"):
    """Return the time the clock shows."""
11:54:16
